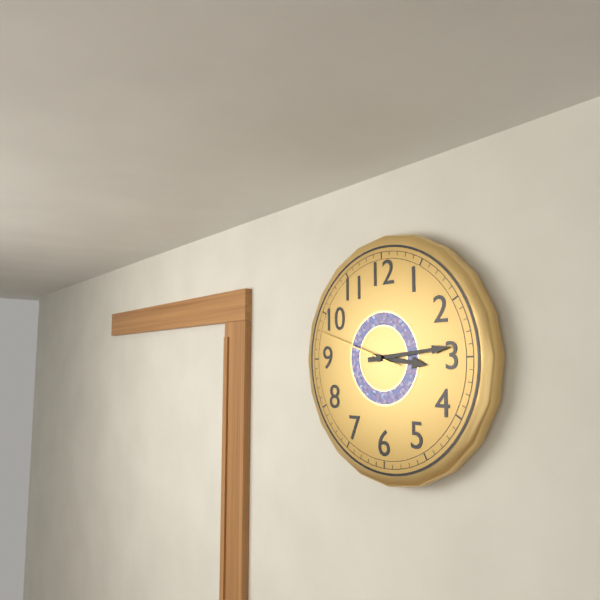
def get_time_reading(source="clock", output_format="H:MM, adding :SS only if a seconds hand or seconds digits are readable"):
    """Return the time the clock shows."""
3:14:48
